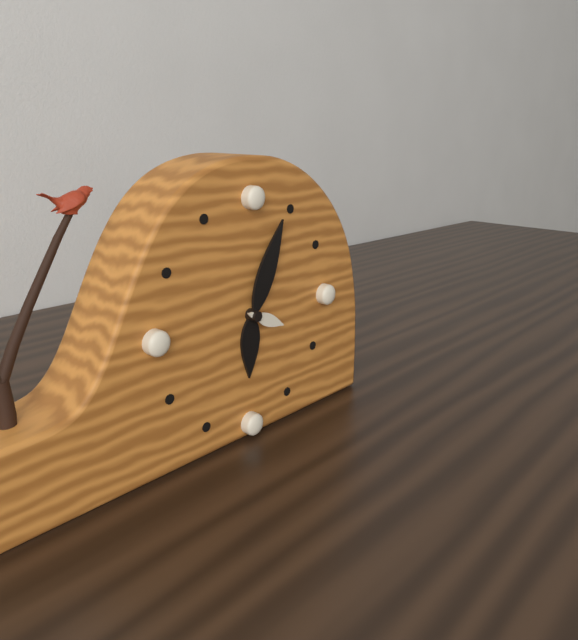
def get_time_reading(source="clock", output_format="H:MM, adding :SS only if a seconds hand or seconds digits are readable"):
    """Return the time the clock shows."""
6:04
